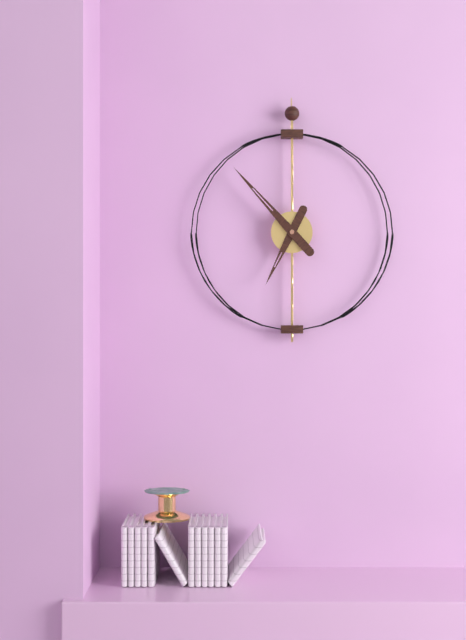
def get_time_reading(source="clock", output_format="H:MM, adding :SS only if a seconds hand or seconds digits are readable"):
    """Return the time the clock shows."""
6:53
